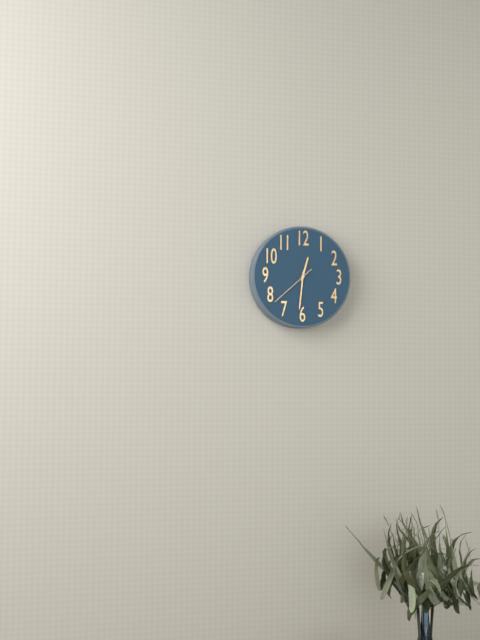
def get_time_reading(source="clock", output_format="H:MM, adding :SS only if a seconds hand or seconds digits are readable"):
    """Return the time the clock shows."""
12:31
